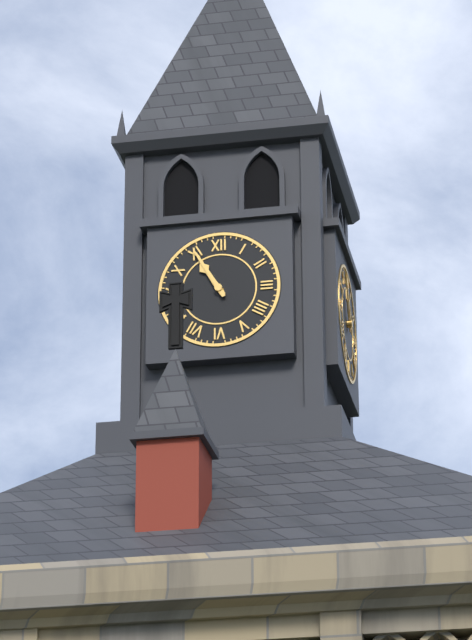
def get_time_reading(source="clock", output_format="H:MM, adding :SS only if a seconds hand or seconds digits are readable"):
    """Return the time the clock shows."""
10:55
